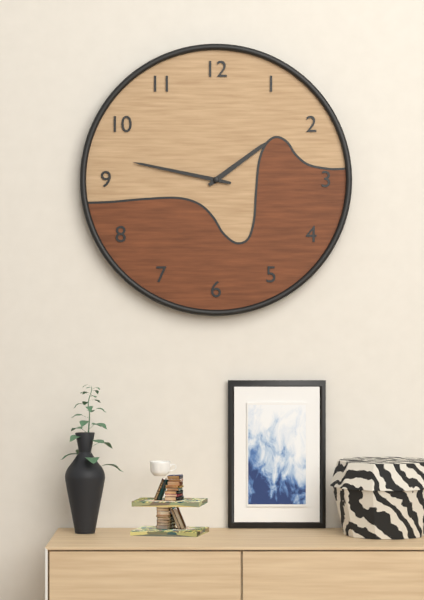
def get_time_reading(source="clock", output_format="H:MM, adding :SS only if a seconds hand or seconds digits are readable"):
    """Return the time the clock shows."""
1:47
